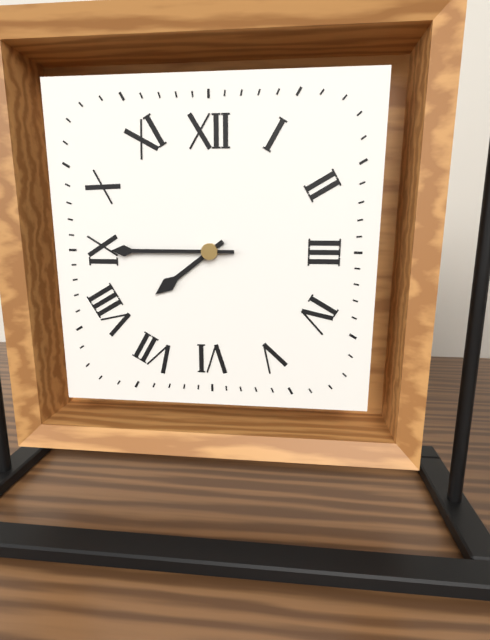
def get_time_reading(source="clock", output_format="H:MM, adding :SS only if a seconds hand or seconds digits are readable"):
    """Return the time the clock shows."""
7:45
